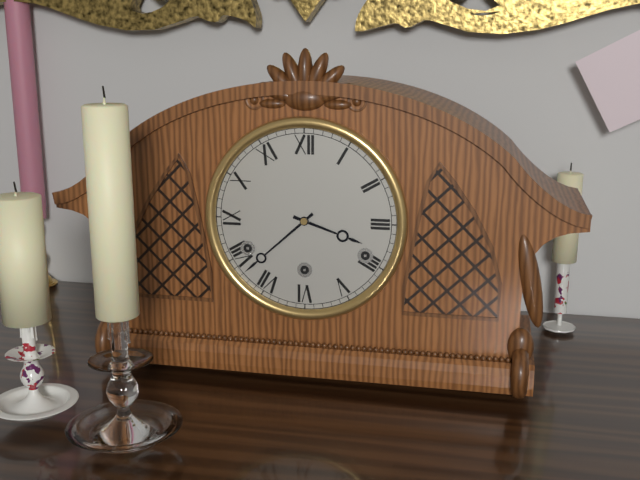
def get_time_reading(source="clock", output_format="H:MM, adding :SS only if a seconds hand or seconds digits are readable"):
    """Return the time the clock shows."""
3:38
